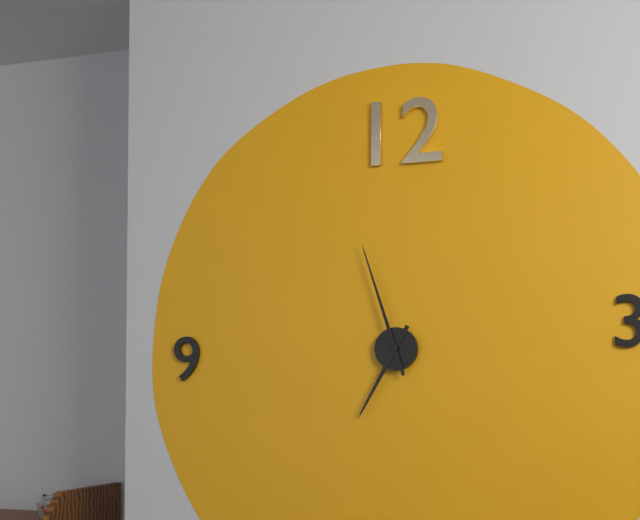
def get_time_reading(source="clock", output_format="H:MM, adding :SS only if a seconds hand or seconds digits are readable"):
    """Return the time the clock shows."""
6:57
